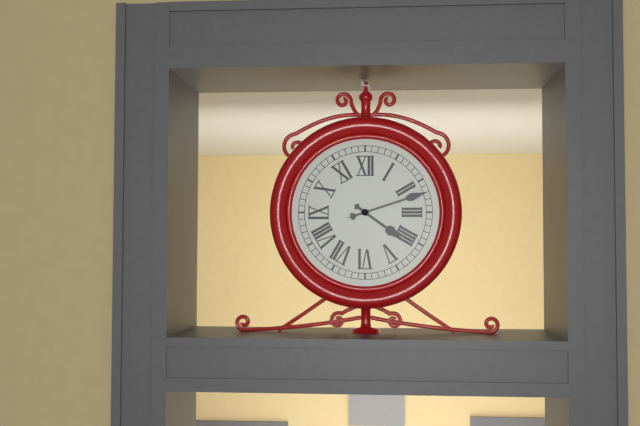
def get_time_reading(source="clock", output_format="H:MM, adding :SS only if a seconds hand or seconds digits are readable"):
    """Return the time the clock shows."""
4:12
